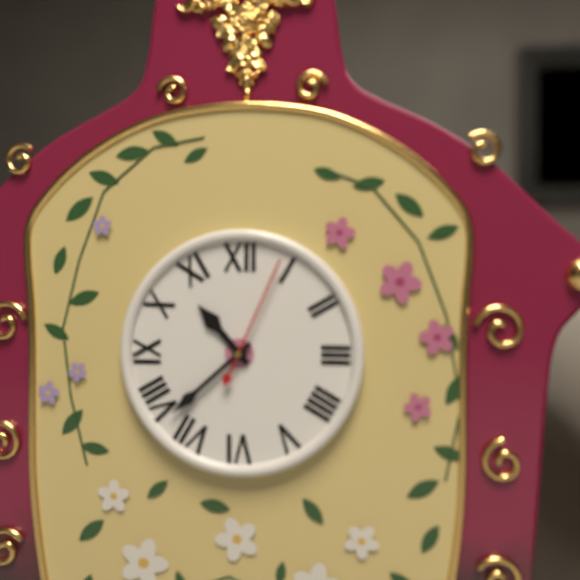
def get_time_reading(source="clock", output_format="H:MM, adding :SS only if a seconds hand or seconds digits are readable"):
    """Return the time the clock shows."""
10:38:04
